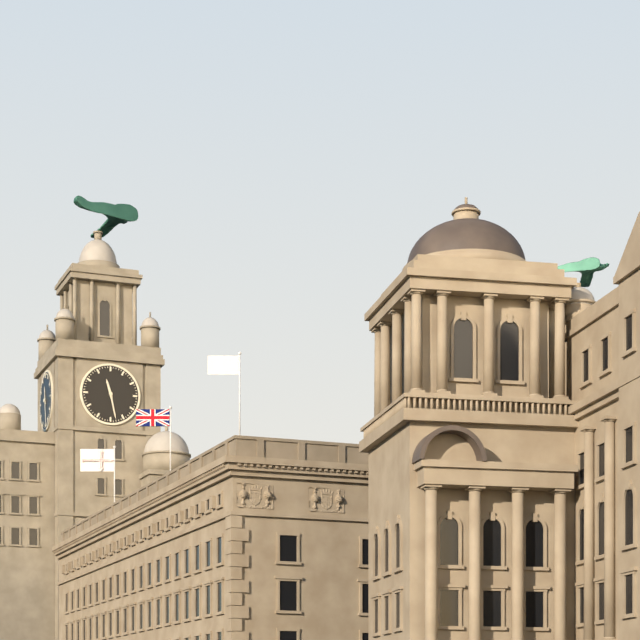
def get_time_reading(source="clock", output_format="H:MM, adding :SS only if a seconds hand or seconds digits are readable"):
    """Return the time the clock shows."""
11:28
